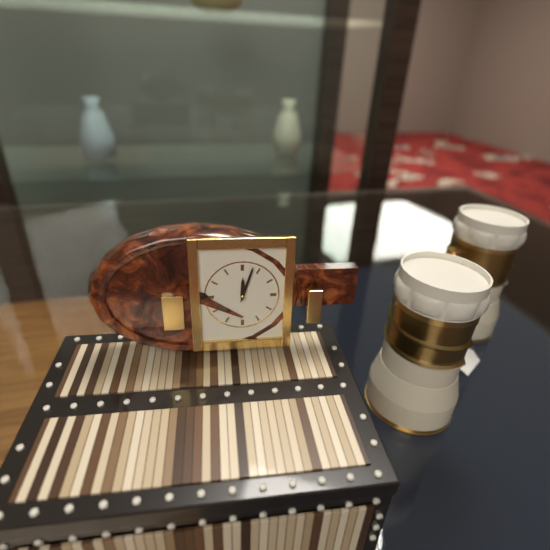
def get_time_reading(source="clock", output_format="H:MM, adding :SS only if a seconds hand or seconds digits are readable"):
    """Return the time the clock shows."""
12:03
